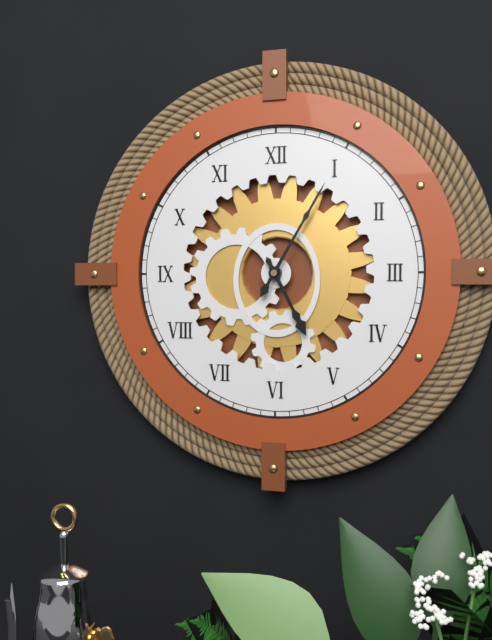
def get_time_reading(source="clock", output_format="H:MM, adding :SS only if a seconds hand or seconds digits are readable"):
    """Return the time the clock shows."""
5:05
